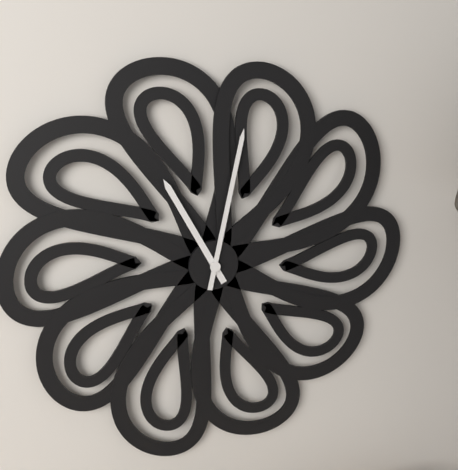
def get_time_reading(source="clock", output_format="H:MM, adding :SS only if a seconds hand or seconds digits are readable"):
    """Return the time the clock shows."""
11:02
